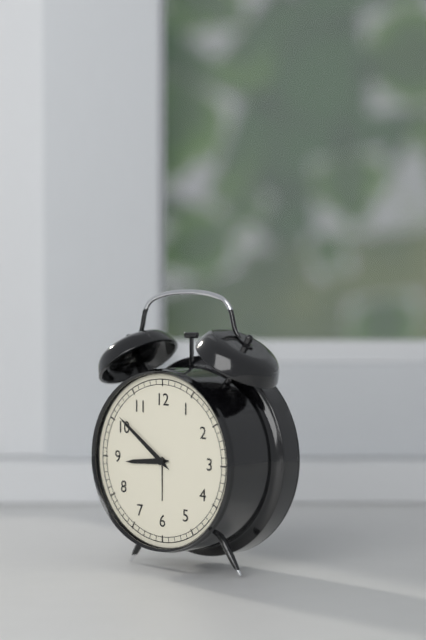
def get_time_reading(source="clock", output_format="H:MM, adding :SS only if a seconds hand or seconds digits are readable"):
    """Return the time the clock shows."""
8:51
